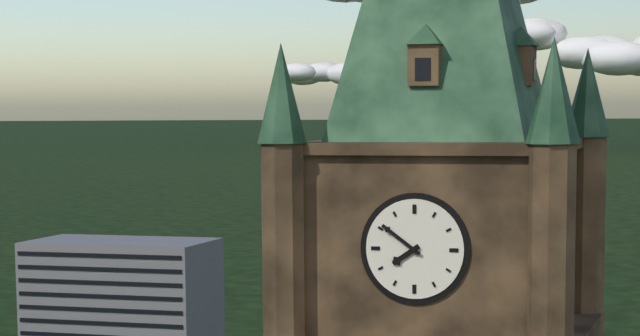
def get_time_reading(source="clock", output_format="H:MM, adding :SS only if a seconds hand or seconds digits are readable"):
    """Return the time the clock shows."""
7:51
